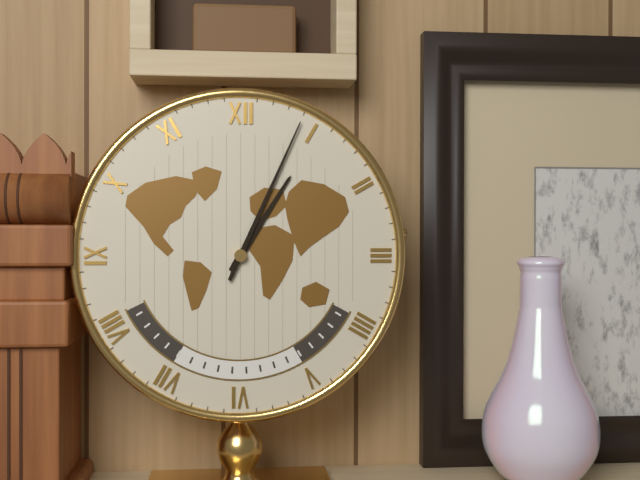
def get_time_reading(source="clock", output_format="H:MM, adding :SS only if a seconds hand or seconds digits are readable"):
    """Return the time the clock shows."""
1:04
